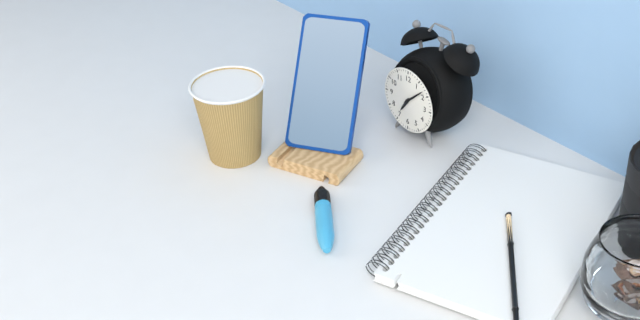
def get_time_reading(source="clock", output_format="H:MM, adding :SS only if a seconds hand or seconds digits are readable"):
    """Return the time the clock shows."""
7:08
